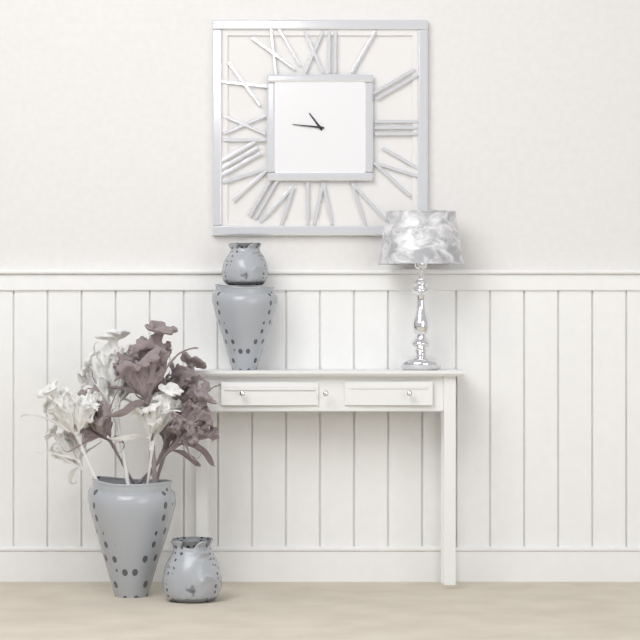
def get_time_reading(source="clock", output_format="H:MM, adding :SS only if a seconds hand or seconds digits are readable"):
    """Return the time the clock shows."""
10:46
